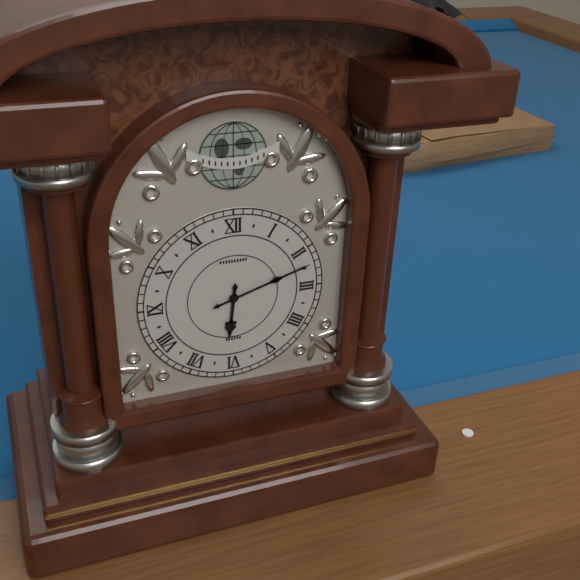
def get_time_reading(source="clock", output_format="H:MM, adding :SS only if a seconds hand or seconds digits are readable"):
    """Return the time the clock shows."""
6:12
